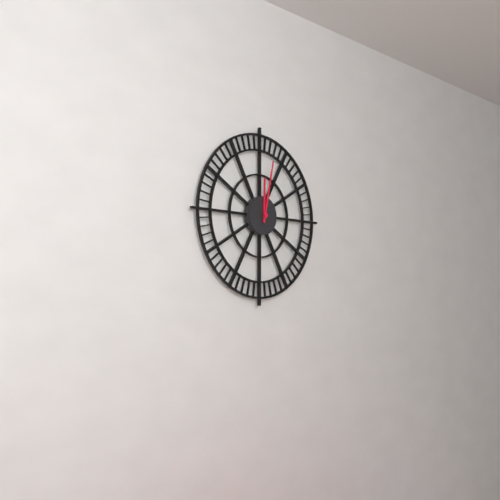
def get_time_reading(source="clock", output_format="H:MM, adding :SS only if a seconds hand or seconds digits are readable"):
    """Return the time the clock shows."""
12:02
